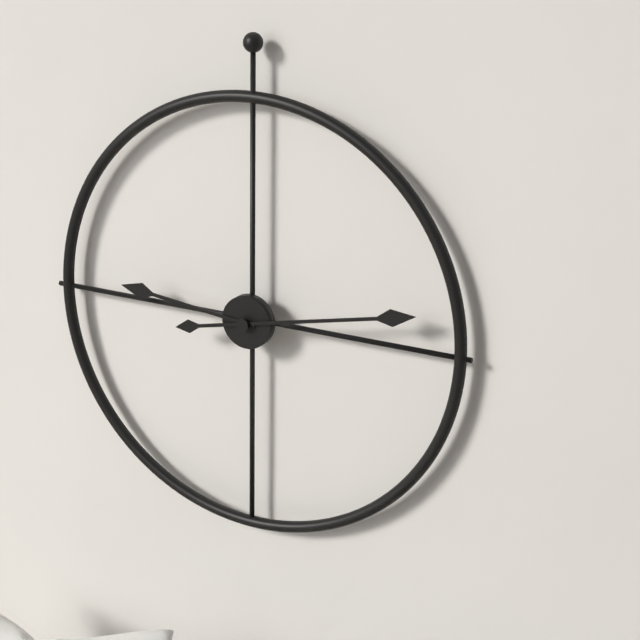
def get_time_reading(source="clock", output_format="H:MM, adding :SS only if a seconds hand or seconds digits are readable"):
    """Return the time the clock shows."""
9:13
